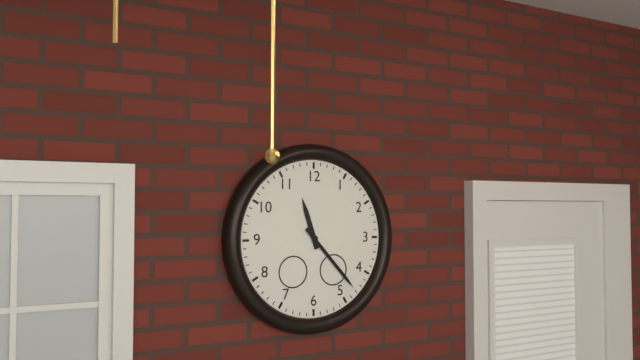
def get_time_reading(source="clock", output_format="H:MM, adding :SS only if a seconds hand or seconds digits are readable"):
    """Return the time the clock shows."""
11:23
